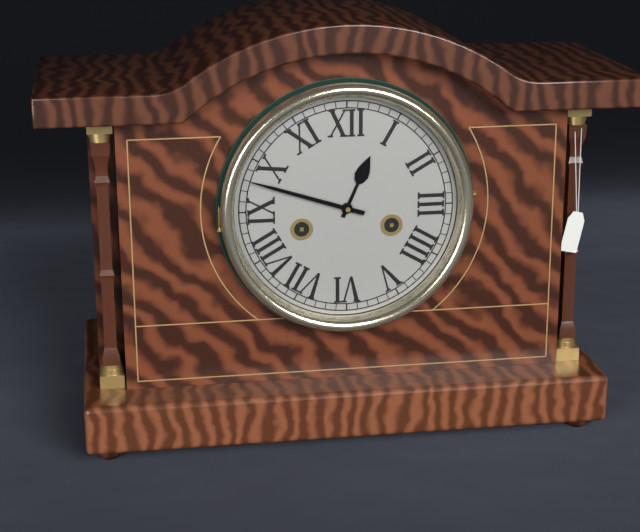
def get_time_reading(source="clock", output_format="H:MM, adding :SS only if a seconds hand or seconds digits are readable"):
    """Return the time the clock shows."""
12:48
